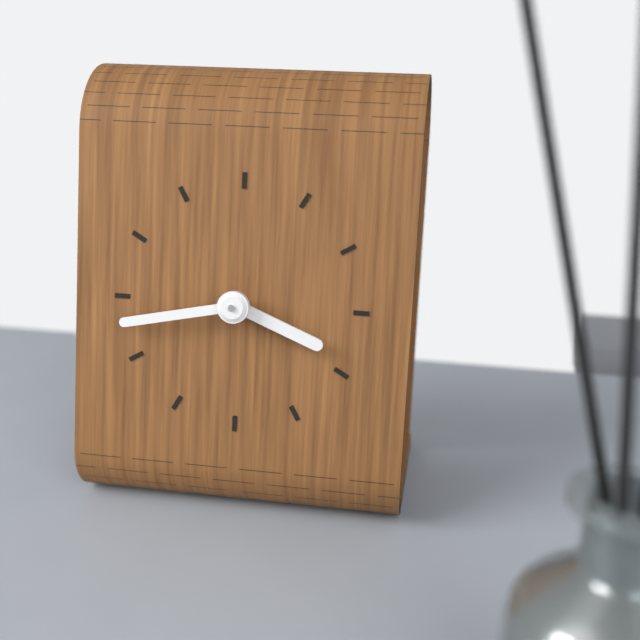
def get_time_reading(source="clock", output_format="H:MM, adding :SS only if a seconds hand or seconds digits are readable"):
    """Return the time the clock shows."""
3:43
